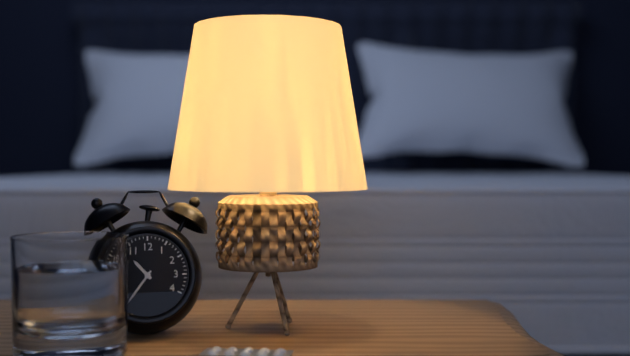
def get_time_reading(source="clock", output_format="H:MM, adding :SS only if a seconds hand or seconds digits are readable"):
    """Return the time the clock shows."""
10:36
